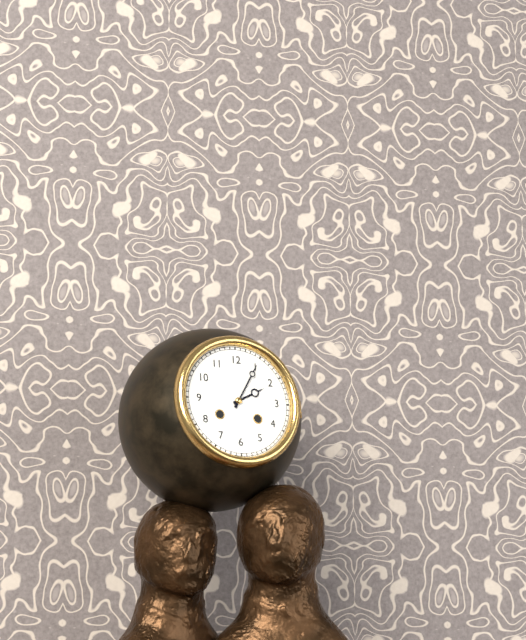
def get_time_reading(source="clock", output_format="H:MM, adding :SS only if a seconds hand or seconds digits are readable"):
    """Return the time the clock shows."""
2:05
